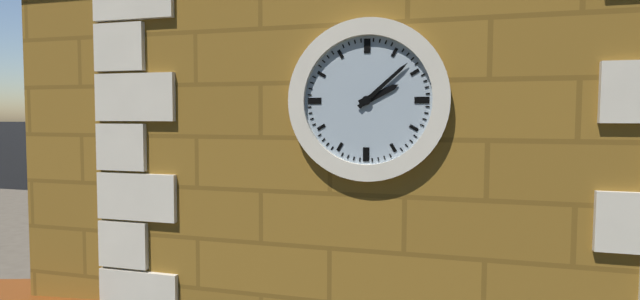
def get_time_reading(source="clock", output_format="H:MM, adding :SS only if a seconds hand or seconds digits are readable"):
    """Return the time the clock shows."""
2:08
